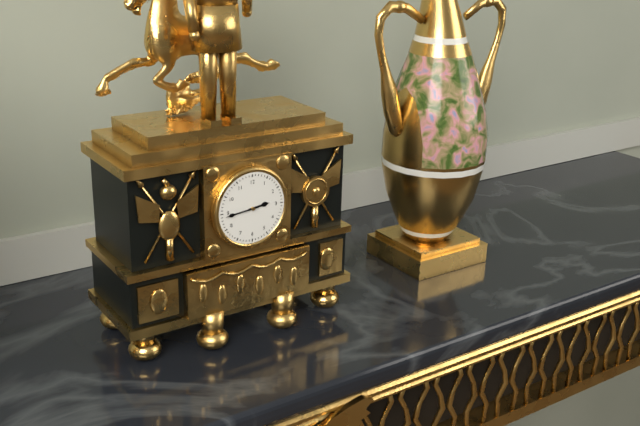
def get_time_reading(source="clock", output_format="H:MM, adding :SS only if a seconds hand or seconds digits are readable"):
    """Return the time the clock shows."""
2:44
